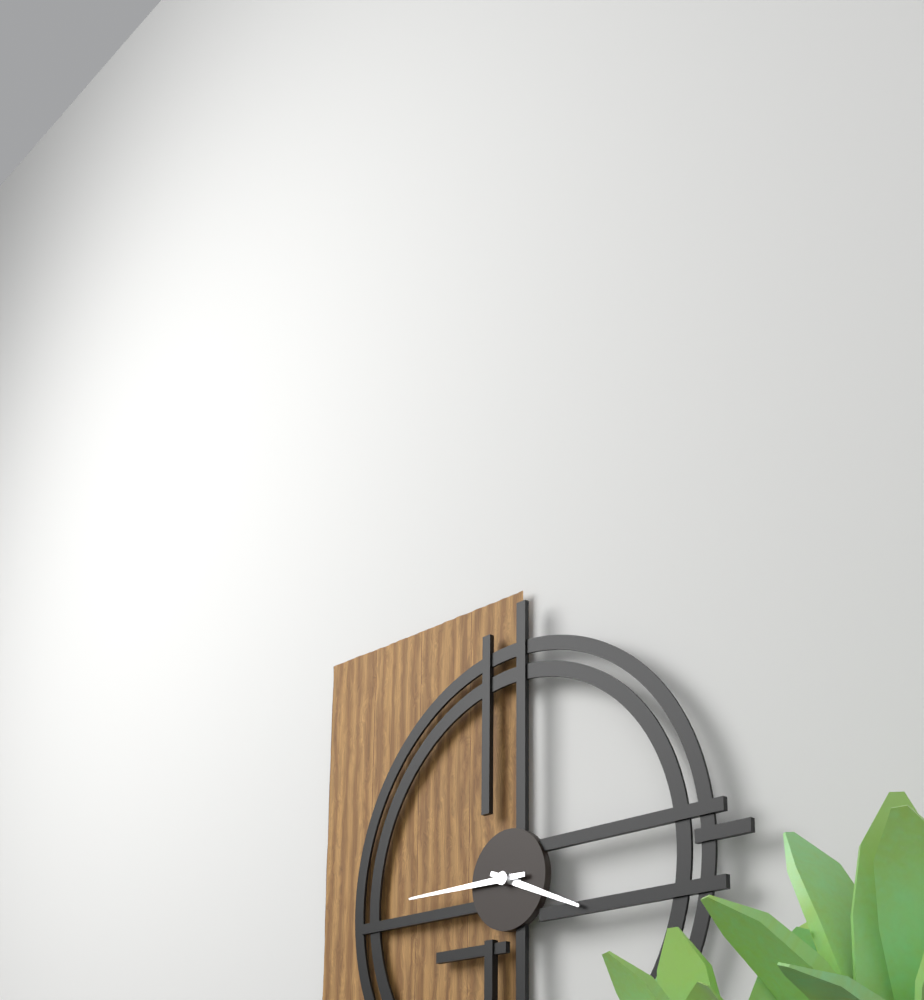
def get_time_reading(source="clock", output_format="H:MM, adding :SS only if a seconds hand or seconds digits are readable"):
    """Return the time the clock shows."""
3:45
